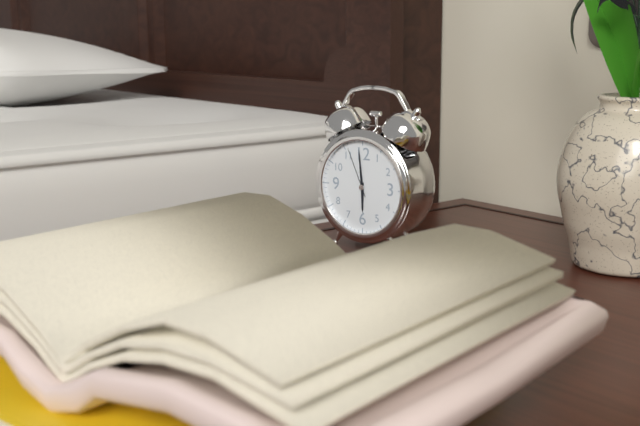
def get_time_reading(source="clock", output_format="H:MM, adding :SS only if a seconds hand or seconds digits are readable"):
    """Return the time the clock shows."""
5:59:56
